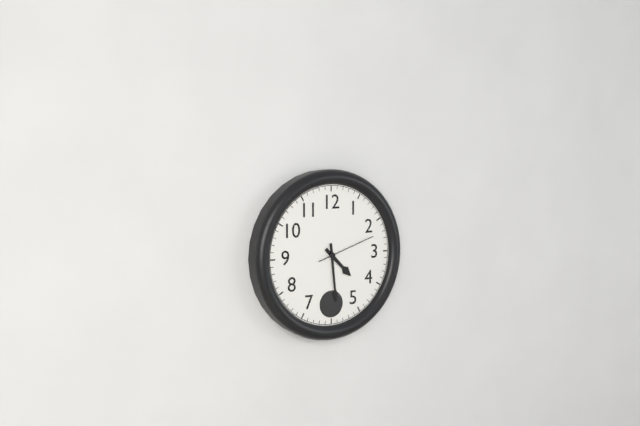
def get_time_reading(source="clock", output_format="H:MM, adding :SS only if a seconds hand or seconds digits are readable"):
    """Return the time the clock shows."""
4:29:12
